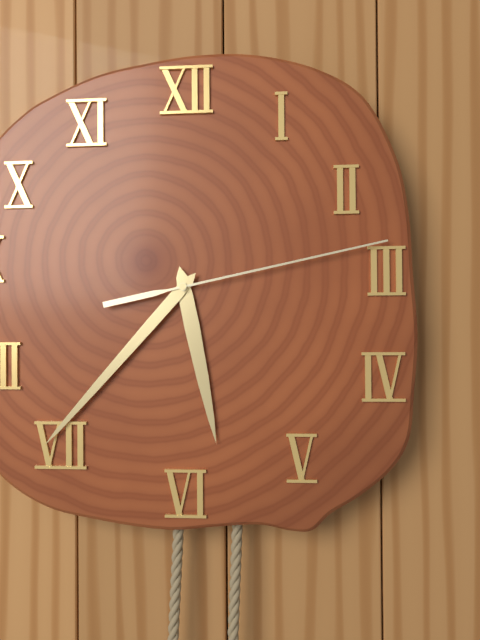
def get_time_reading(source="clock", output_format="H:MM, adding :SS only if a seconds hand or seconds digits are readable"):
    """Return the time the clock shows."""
5:37:13
